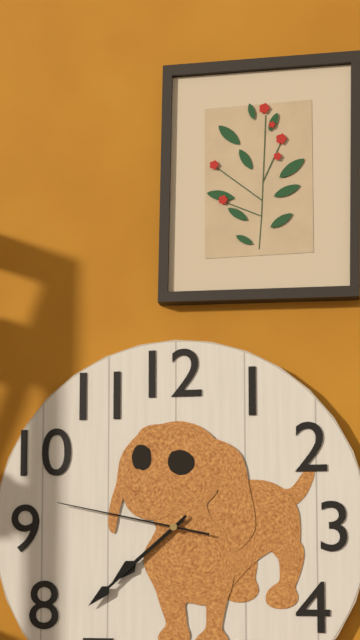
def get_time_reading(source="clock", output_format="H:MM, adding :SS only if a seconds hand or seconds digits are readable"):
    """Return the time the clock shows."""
7:38:47
